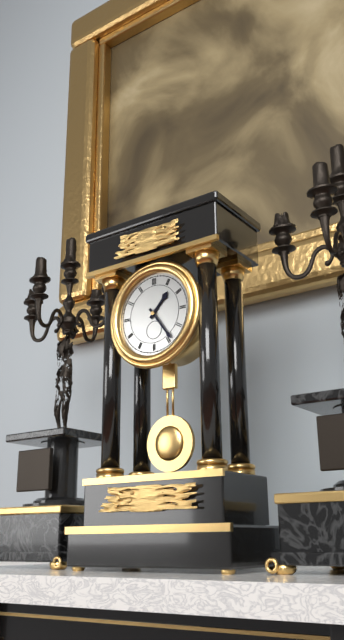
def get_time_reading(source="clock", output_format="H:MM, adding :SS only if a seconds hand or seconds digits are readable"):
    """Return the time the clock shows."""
1:24
